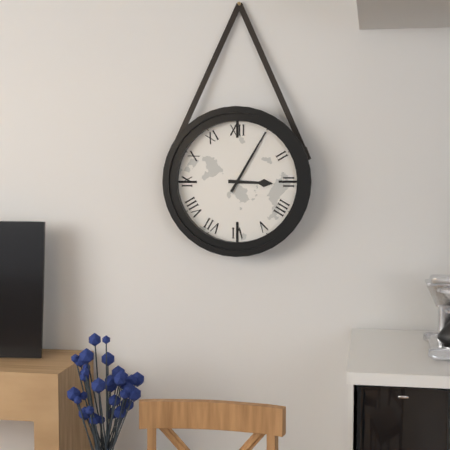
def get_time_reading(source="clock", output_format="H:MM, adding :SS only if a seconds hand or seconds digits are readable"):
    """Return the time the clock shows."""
3:05
